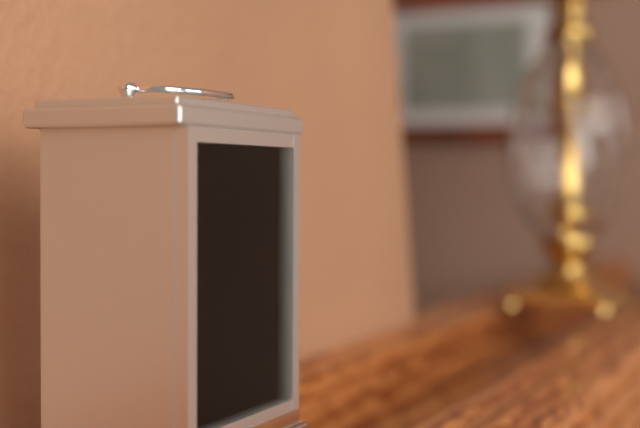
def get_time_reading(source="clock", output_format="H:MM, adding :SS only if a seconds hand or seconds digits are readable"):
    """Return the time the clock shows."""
3:59
